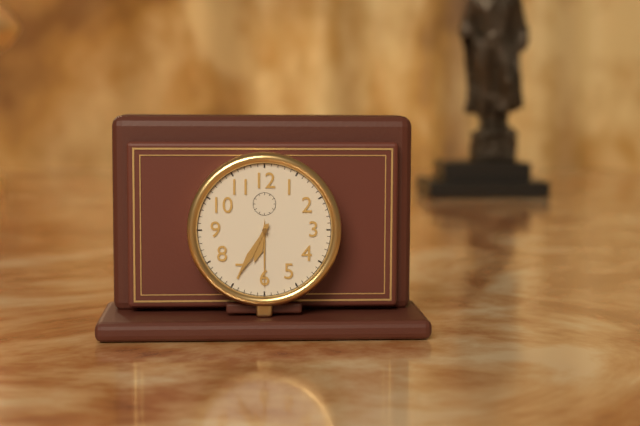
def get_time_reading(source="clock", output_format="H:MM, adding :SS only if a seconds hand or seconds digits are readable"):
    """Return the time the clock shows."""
6:35
